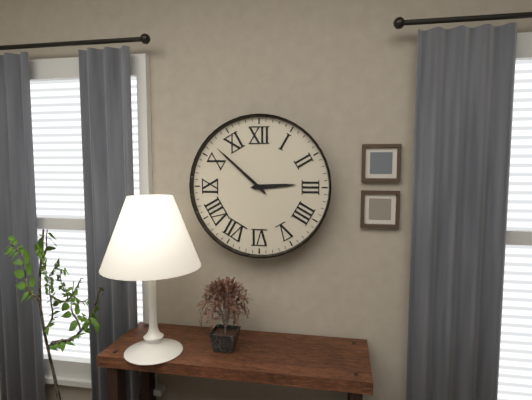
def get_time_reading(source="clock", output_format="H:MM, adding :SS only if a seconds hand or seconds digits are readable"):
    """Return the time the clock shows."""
2:52
